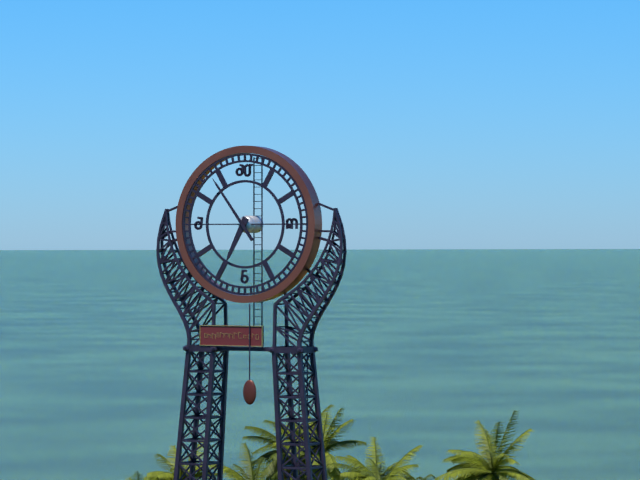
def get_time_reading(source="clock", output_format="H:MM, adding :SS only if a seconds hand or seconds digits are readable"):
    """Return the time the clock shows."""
6:54
